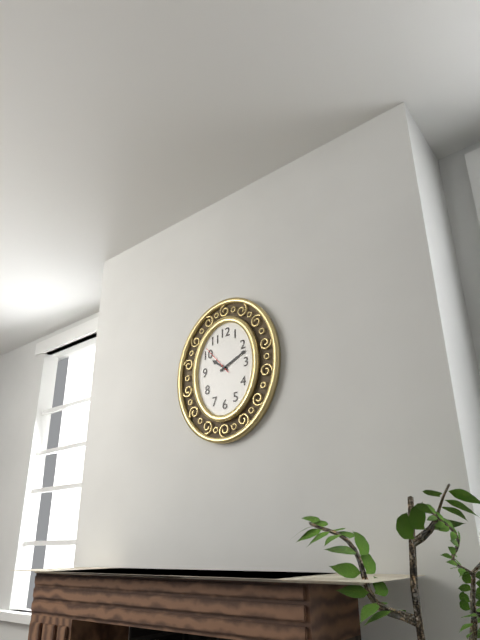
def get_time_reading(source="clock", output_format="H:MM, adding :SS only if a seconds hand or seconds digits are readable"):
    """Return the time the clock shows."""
10:11
